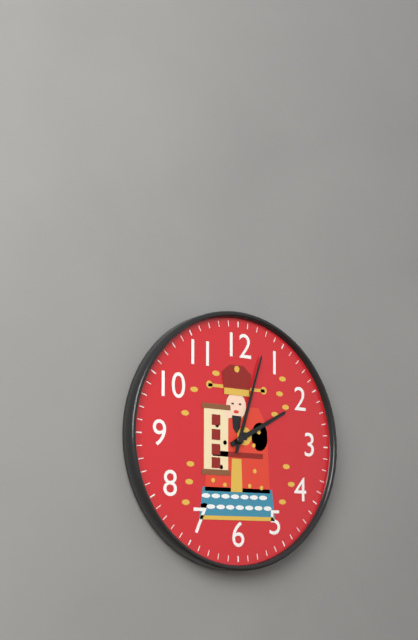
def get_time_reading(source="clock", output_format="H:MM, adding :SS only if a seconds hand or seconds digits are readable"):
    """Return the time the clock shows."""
2:03
